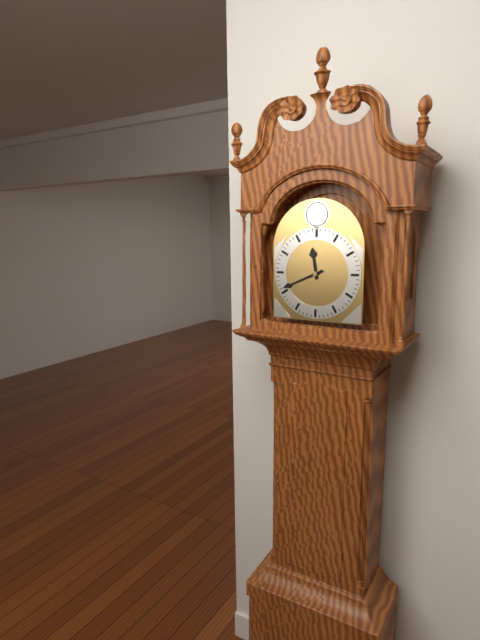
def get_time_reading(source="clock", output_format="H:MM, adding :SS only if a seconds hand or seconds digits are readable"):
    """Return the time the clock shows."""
11:41
